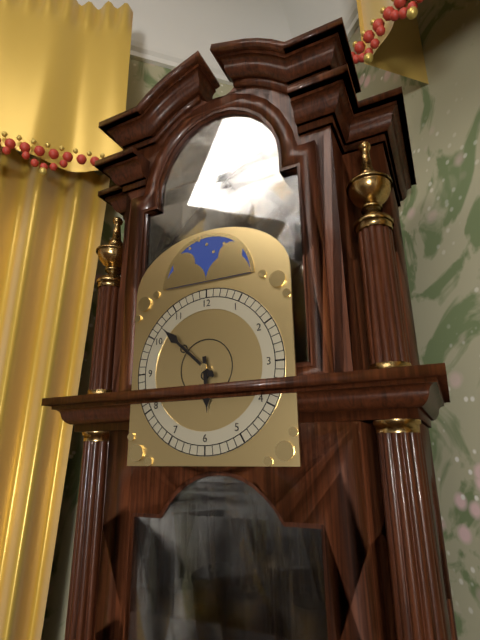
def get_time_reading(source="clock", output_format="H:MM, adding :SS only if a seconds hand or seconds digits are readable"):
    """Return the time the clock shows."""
5:52
